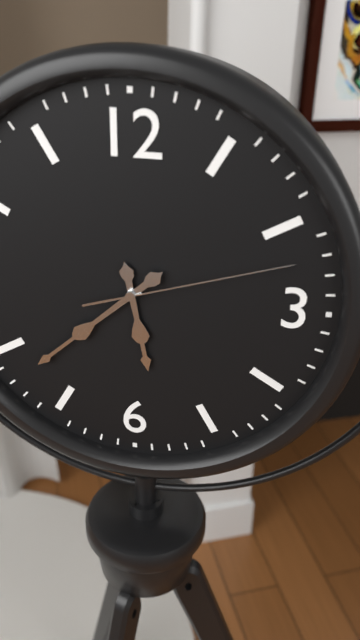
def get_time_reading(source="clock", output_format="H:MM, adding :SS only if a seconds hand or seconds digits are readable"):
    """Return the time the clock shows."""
5:38:12
